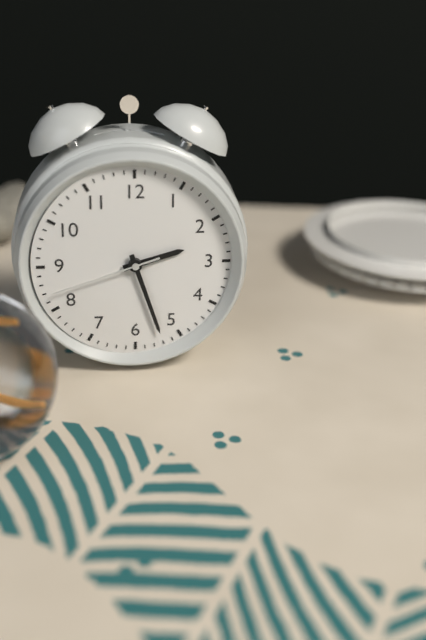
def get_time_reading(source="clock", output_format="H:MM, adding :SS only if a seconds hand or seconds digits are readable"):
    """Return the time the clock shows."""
2:27:42
